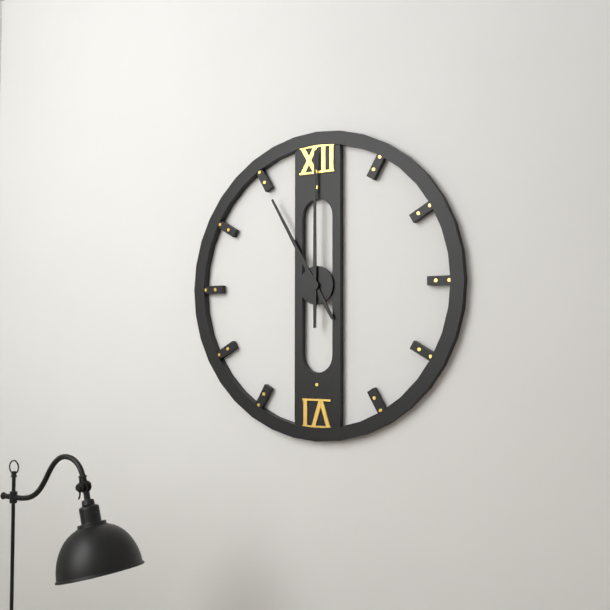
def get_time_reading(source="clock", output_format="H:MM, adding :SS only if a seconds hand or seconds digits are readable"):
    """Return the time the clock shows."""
11:00
